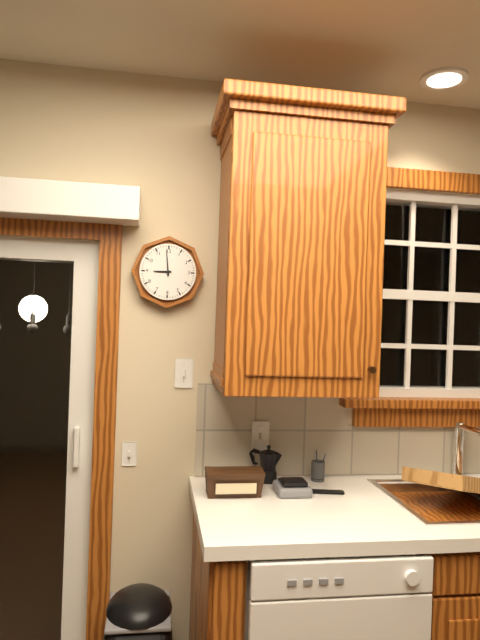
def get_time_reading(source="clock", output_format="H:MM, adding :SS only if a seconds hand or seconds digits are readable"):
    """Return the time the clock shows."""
8:59
